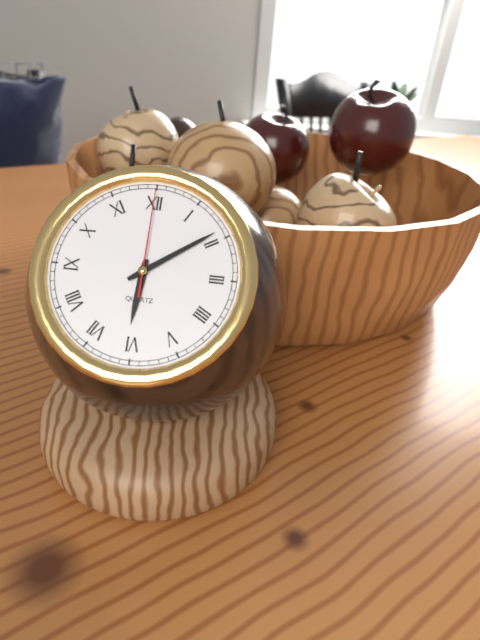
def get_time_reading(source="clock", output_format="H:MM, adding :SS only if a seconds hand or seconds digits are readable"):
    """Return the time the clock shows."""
6:09:00
